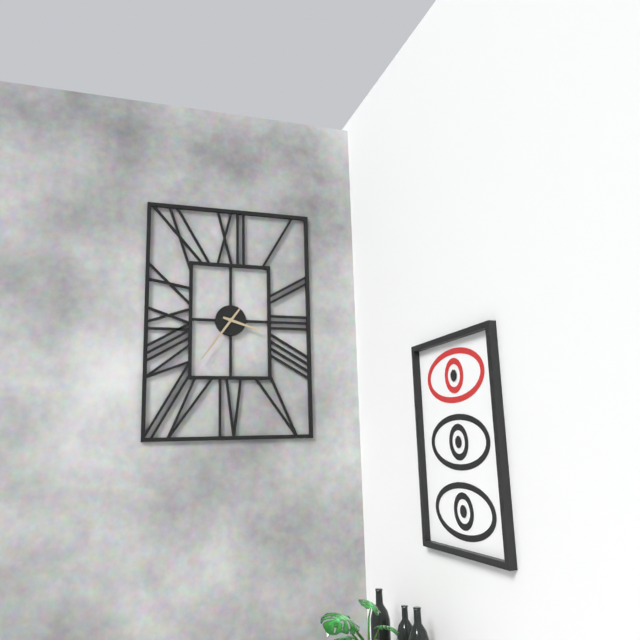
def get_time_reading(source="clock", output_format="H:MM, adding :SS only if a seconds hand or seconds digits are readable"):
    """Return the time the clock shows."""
3:36
